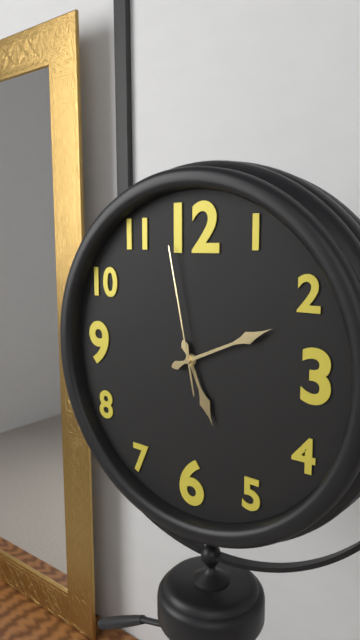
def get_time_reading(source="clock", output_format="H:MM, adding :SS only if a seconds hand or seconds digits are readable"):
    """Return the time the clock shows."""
5:11:58
